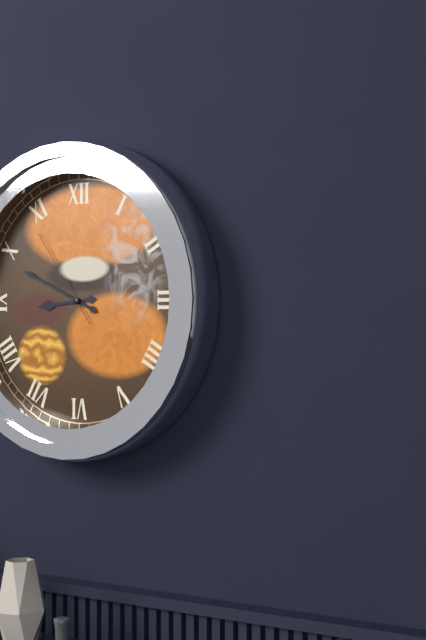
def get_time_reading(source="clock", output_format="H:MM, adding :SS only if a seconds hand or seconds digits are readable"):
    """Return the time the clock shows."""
8:49:54
